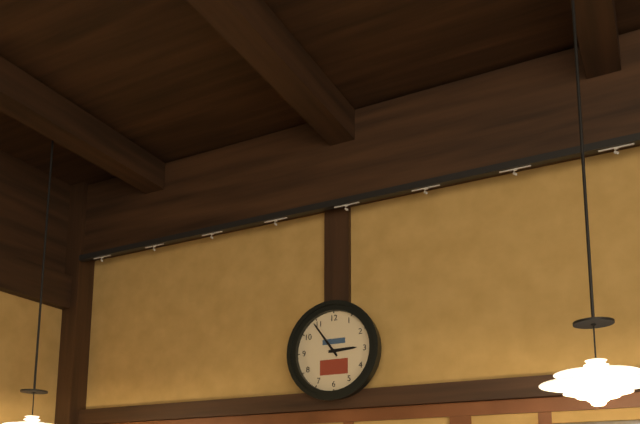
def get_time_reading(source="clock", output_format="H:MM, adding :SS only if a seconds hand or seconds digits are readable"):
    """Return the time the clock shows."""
2:54
